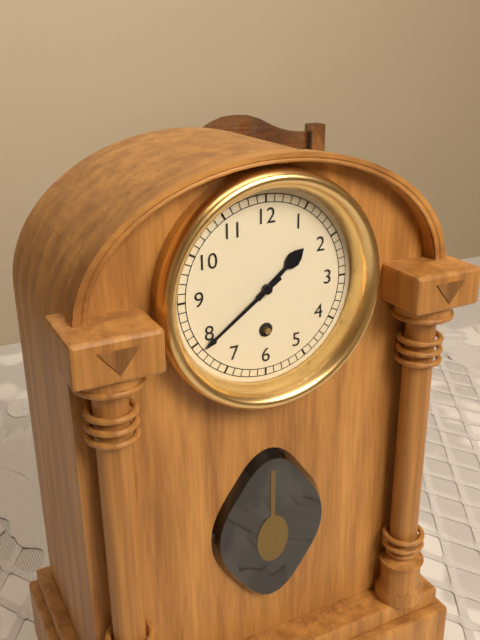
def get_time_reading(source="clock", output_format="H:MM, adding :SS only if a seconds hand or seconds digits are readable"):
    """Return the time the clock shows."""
1:39
